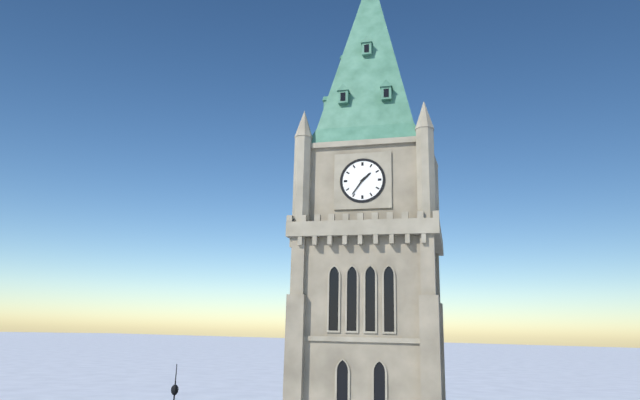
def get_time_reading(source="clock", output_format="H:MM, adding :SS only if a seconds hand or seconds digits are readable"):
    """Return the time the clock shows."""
1:36
